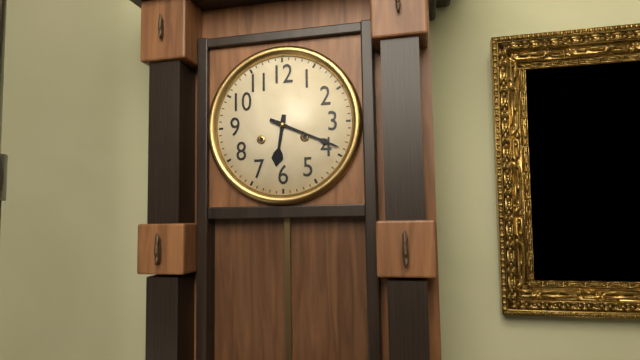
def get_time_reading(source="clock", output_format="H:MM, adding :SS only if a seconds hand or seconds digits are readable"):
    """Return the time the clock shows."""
6:19
